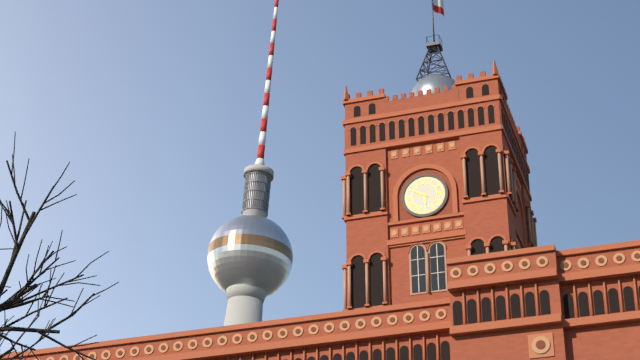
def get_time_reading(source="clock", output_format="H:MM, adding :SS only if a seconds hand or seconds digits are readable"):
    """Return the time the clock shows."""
5:50
